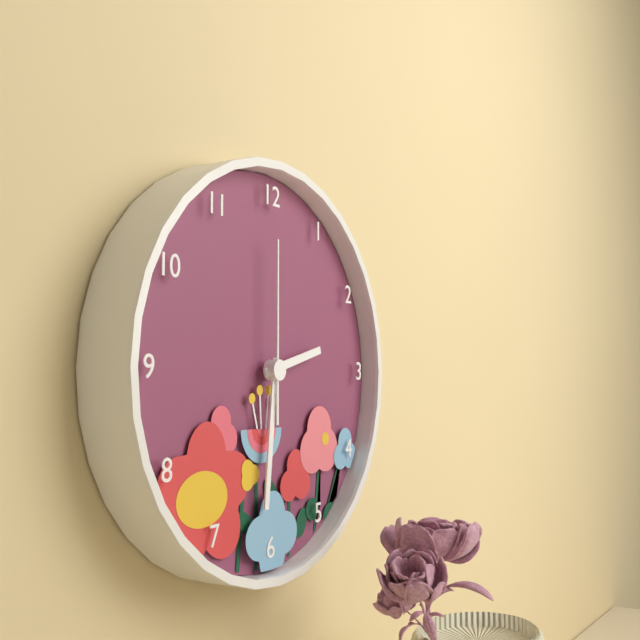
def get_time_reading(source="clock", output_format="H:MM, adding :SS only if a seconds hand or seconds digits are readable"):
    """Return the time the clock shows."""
2:31:00
